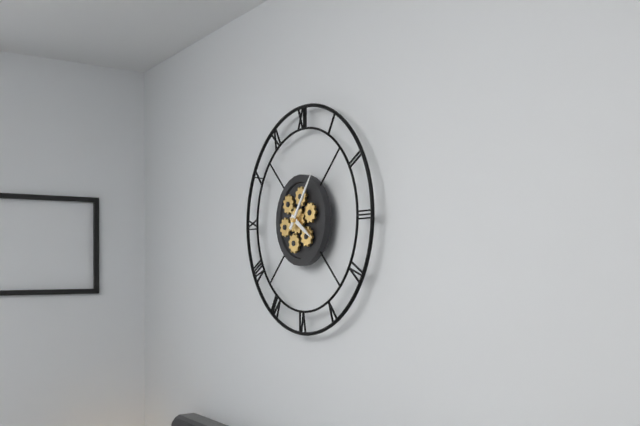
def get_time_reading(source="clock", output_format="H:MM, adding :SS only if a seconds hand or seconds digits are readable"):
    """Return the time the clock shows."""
4:06
